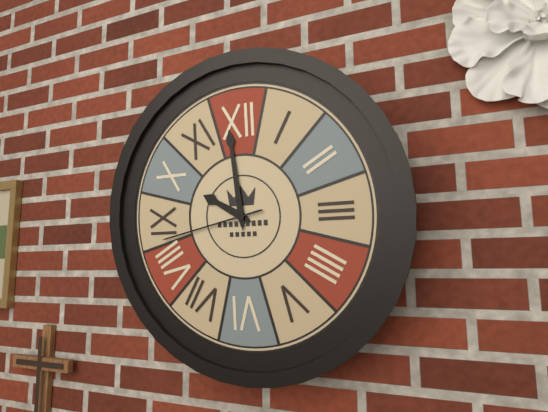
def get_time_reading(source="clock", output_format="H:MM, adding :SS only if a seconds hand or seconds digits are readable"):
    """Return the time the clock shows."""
9:59:43
